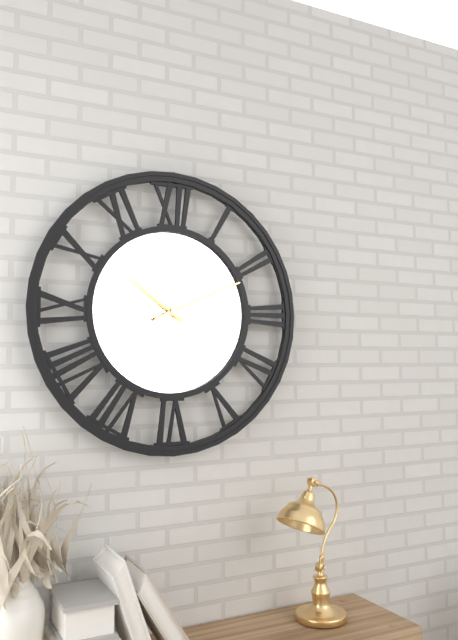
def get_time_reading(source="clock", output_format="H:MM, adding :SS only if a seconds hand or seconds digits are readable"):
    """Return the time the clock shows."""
10:11
